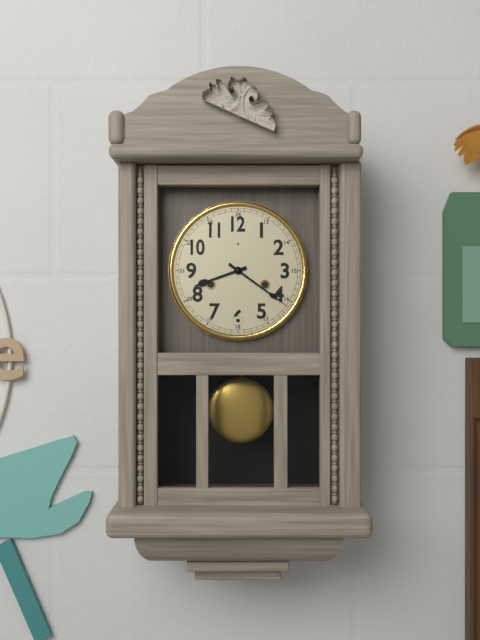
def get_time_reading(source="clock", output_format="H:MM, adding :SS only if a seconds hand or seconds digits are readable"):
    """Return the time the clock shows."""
8:21
